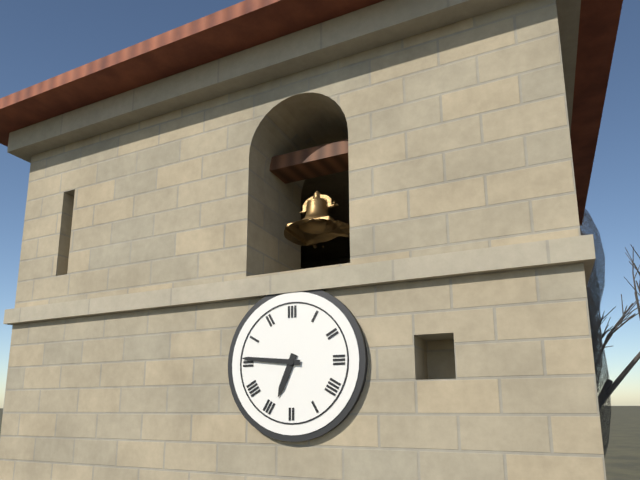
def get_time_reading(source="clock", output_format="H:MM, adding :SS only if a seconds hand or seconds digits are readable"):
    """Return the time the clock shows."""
6:46
